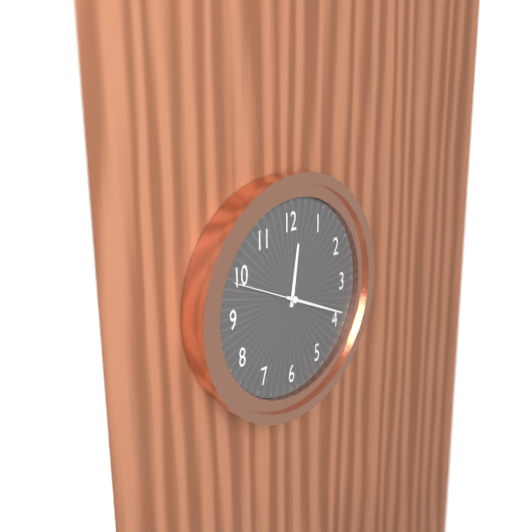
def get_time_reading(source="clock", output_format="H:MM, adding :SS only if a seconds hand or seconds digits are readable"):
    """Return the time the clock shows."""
12:19:49
